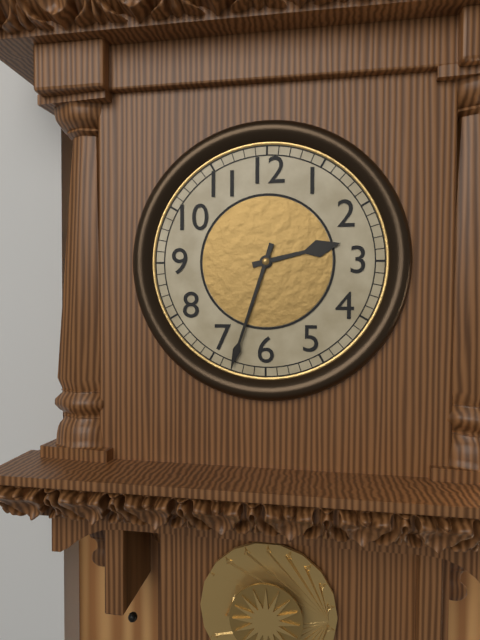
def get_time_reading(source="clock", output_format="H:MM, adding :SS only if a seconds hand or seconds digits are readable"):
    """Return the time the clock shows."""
2:33
